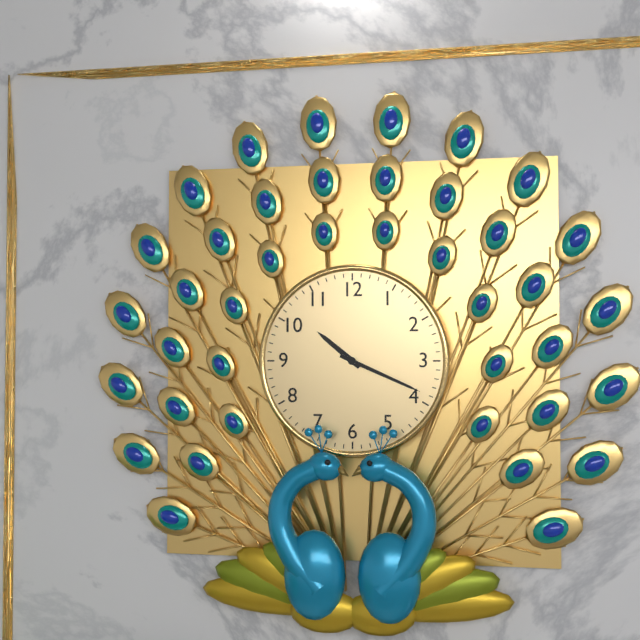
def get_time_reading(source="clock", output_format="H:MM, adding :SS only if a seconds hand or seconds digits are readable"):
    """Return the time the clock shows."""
10:19
